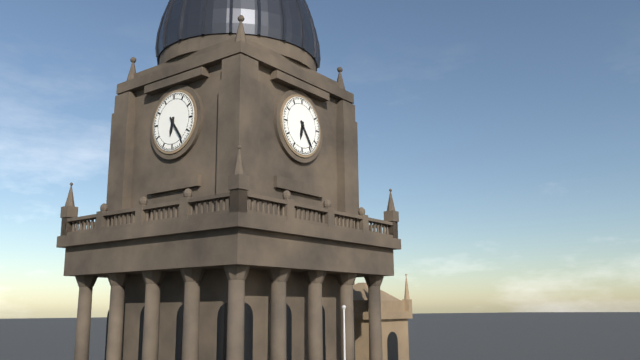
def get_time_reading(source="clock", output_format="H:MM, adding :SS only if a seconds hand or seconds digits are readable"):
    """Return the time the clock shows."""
6:24
